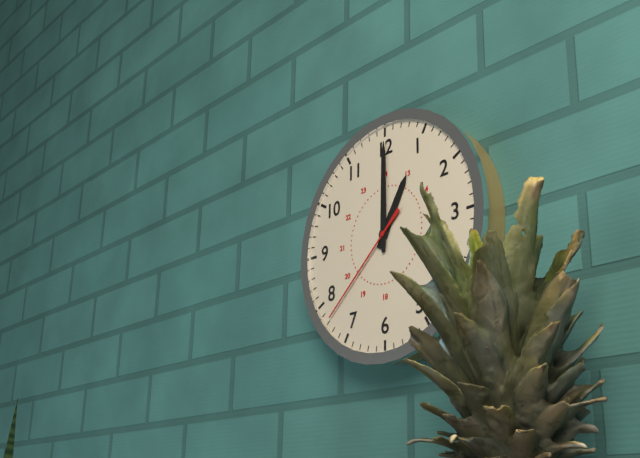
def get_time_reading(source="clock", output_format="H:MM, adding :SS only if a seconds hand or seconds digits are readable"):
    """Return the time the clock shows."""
1:00:38
